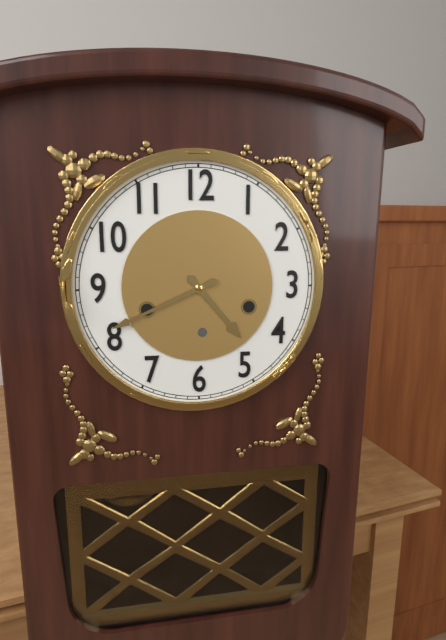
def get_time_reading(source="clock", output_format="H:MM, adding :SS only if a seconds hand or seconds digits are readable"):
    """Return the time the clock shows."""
4:41
